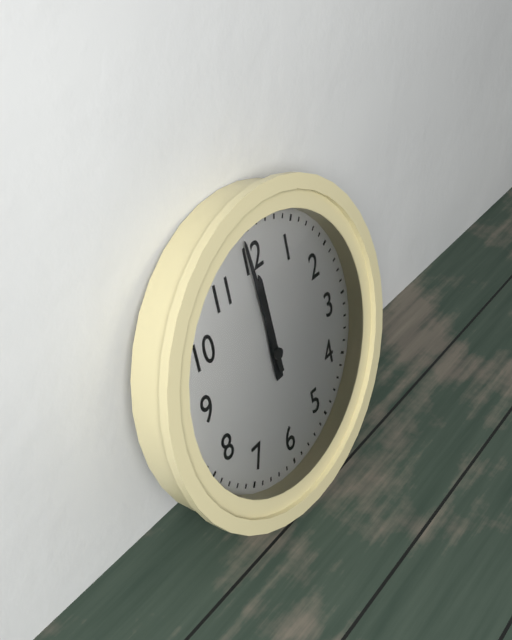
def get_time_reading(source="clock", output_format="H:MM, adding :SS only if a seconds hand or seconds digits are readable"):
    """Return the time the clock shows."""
11:59
